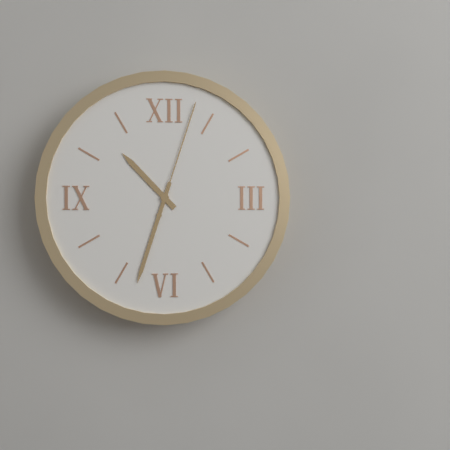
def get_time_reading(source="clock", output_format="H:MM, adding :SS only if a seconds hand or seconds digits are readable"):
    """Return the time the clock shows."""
10:33:03
